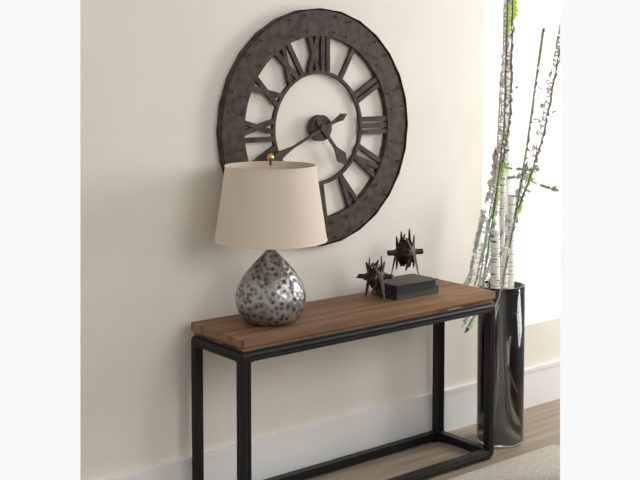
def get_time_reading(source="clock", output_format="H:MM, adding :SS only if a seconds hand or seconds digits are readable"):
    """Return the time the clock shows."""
4:41
